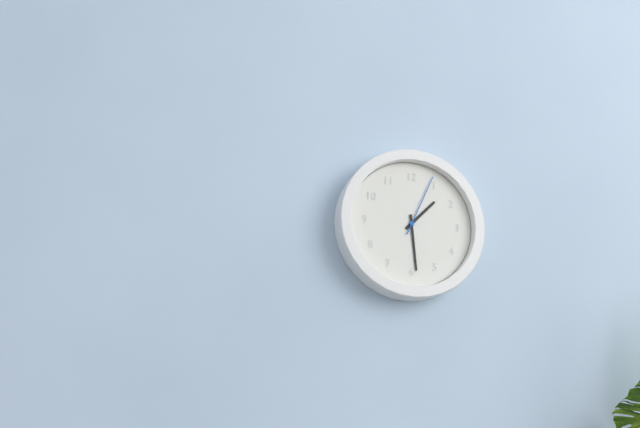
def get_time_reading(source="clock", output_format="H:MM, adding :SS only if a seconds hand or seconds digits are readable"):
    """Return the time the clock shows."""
1:29:04
